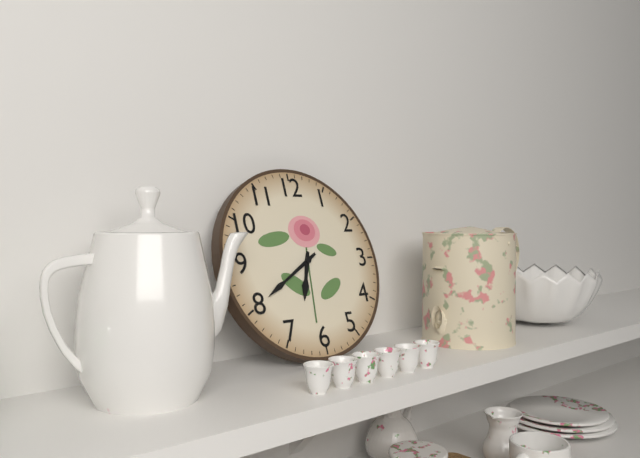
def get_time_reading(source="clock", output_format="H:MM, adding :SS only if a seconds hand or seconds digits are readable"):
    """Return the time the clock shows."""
6:40
